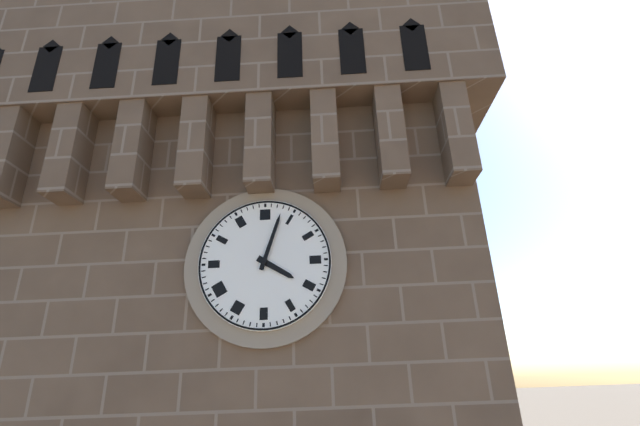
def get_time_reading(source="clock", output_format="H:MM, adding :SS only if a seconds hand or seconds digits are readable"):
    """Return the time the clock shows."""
4:03
